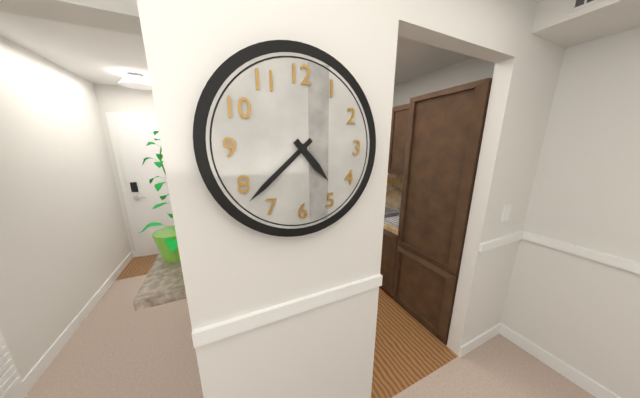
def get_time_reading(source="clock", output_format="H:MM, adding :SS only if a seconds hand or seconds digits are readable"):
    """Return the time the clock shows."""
4:38
